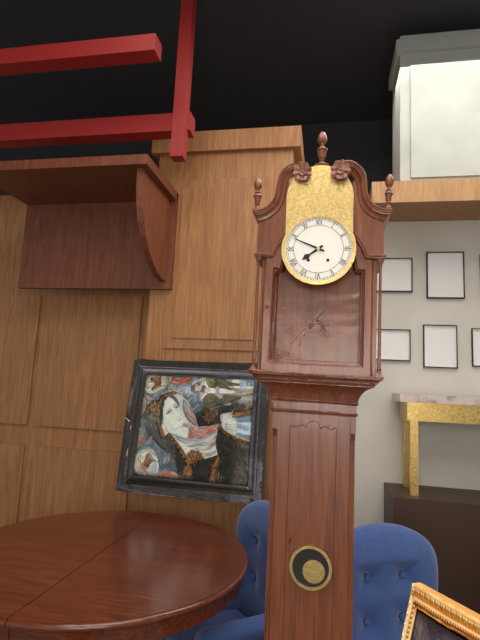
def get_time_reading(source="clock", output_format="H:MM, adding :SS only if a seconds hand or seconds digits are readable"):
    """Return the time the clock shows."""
7:49
